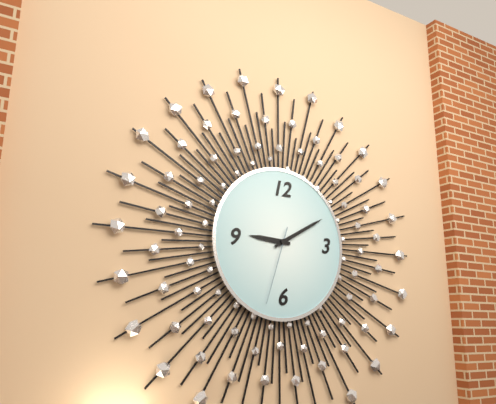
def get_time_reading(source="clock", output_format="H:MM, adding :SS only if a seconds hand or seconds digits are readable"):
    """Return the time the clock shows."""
9:10:33
